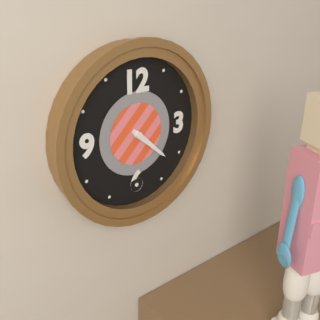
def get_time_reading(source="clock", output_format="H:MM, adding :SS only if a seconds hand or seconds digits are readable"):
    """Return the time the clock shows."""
4:22
